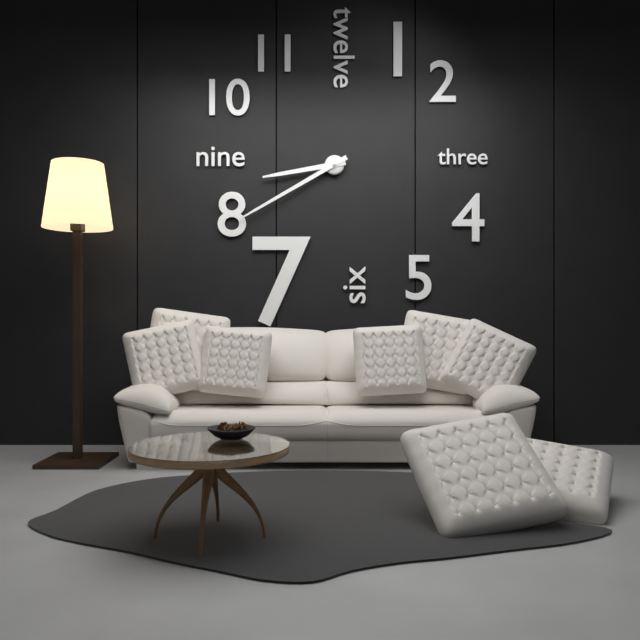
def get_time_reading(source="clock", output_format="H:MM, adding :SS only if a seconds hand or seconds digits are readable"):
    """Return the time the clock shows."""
8:40
